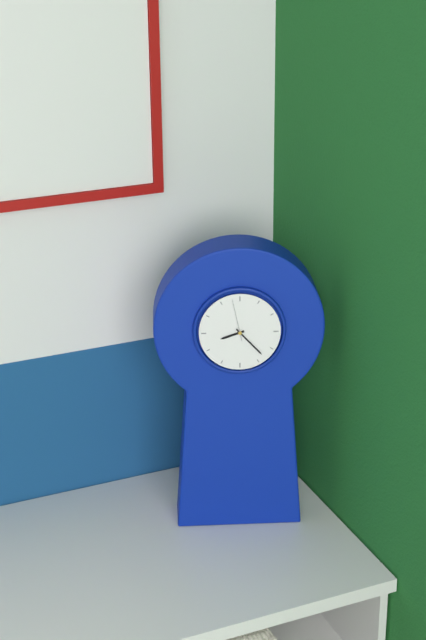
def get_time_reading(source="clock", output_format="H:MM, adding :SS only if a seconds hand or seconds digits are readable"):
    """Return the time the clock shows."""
8:23
